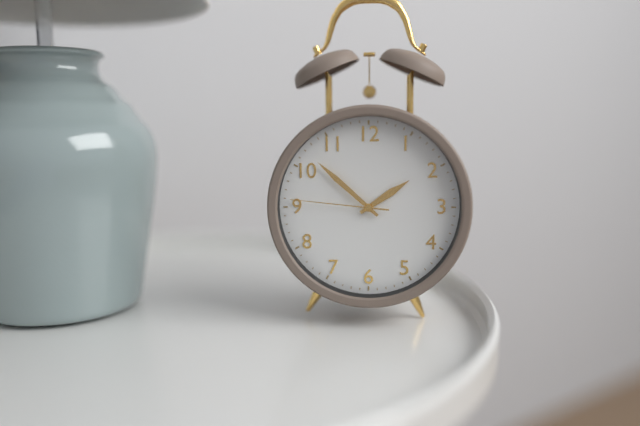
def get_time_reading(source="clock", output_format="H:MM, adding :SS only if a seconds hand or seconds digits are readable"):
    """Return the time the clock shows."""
1:52:46
